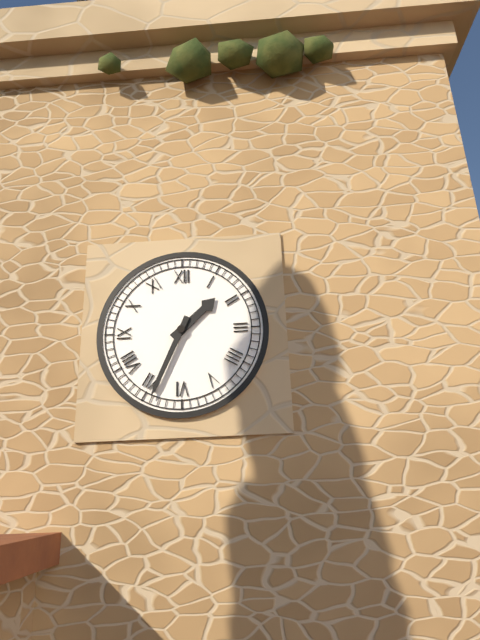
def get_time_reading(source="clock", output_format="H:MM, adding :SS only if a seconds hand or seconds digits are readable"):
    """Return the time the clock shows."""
1:34
